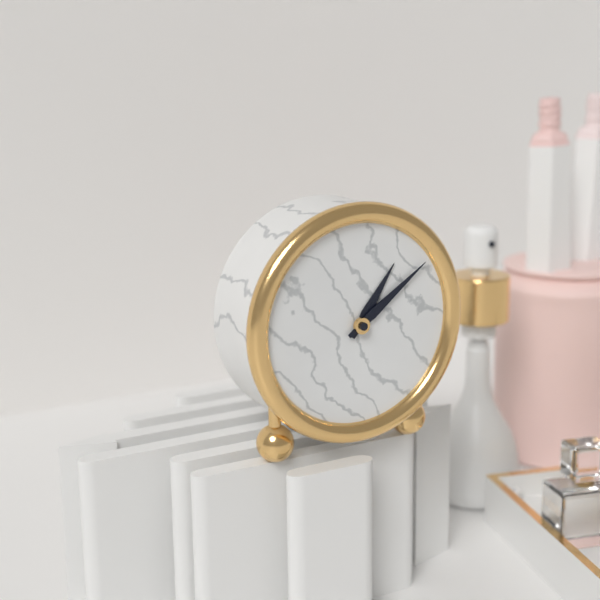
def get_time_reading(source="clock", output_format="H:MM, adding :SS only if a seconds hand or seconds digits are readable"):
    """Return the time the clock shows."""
1:09
